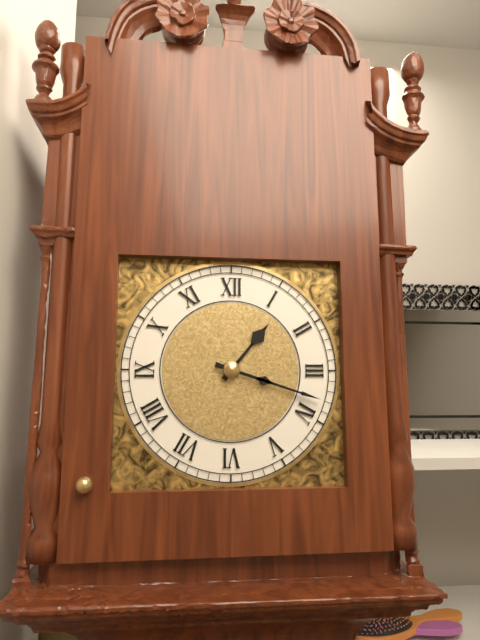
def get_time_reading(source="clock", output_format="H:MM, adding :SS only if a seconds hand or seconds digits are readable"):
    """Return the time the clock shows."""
1:18
